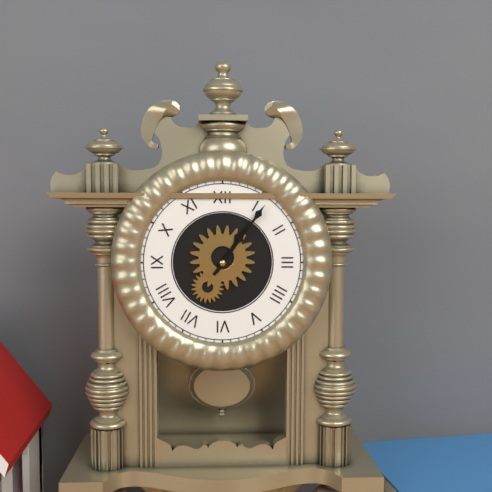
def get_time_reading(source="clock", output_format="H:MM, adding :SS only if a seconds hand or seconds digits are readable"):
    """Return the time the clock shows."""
1:06
